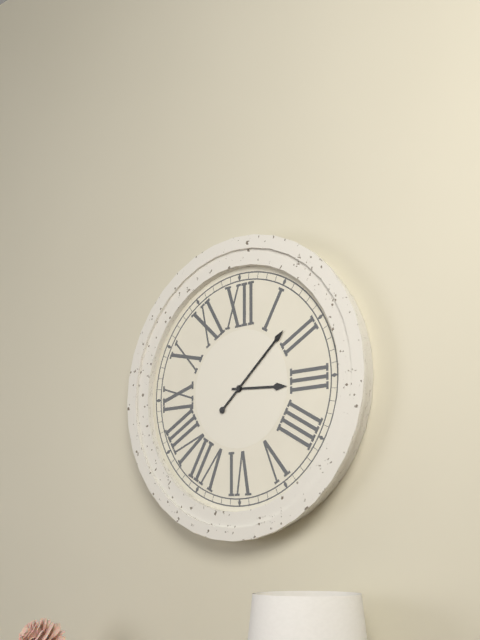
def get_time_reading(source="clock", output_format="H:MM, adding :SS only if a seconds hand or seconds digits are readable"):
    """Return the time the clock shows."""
3:08
